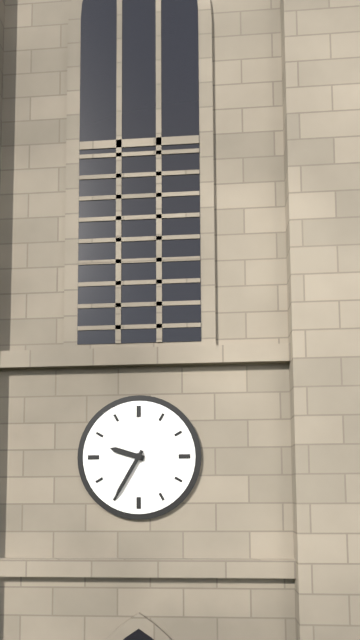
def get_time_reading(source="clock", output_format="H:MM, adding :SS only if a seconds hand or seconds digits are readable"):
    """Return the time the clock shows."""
9:35
